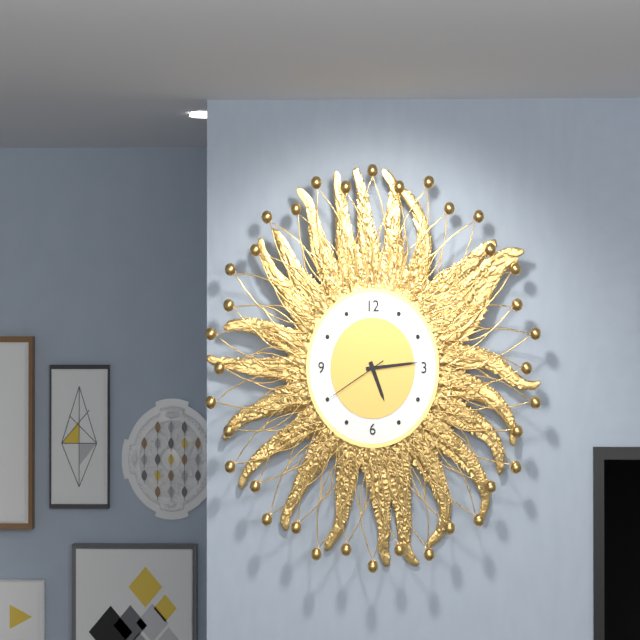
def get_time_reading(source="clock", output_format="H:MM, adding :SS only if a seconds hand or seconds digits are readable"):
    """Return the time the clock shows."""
5:14:40
